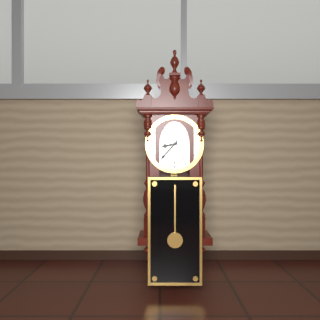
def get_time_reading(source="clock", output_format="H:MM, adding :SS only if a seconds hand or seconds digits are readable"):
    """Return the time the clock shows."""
8:37
